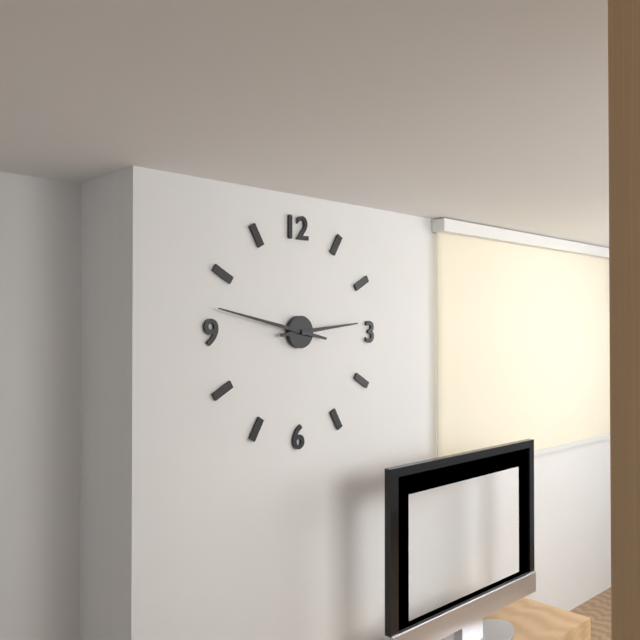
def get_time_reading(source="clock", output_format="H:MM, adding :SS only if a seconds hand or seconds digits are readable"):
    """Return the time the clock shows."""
2:47
